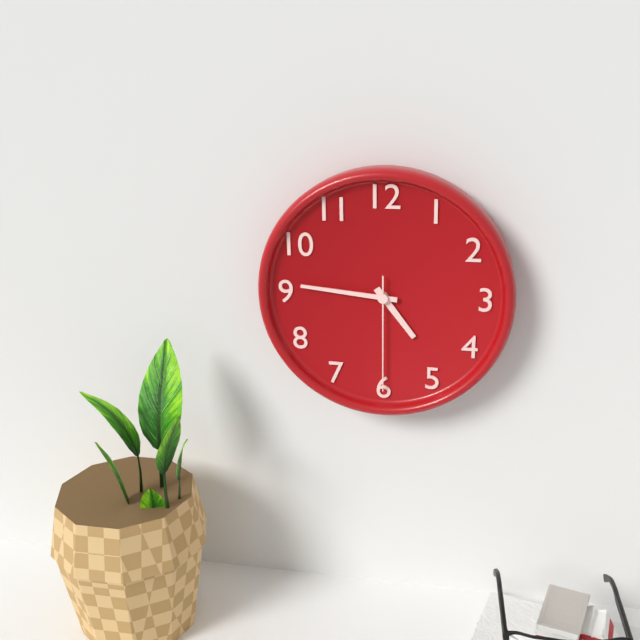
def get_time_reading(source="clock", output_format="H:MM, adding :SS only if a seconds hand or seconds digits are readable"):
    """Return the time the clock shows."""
4:46:30
